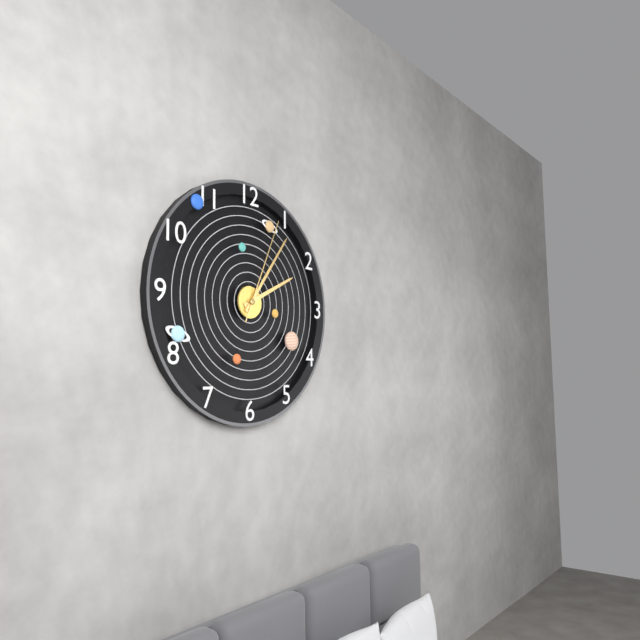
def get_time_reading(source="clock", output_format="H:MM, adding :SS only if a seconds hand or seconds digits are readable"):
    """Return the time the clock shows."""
2:06:04
